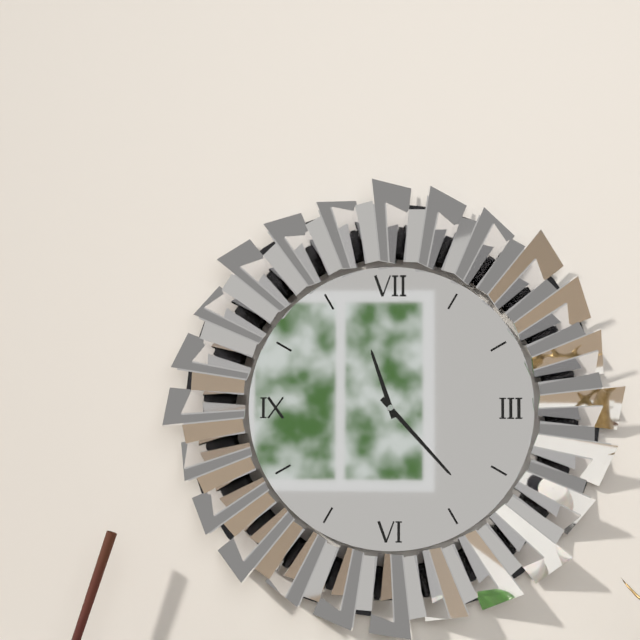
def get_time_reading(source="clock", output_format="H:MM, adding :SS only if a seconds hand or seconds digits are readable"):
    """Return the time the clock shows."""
11:23
